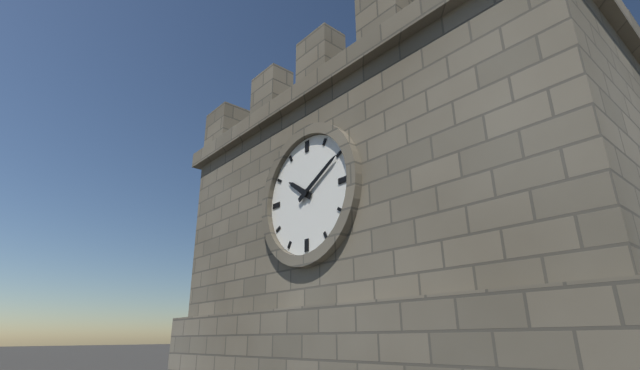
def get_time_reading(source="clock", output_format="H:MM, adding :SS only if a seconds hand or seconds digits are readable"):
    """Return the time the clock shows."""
10:10
